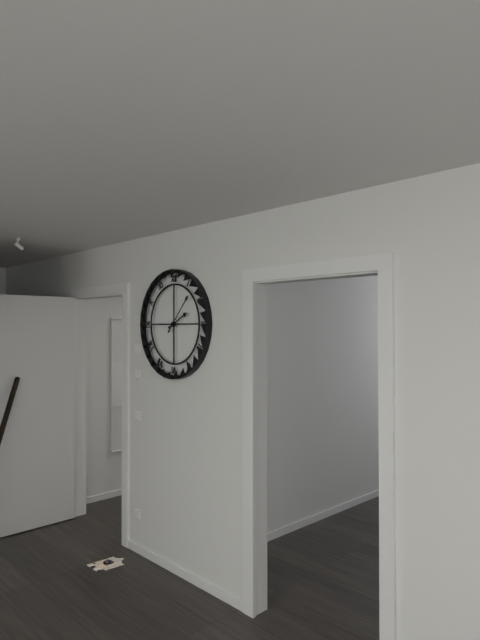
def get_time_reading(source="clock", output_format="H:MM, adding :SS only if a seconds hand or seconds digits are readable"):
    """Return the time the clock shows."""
2:07
